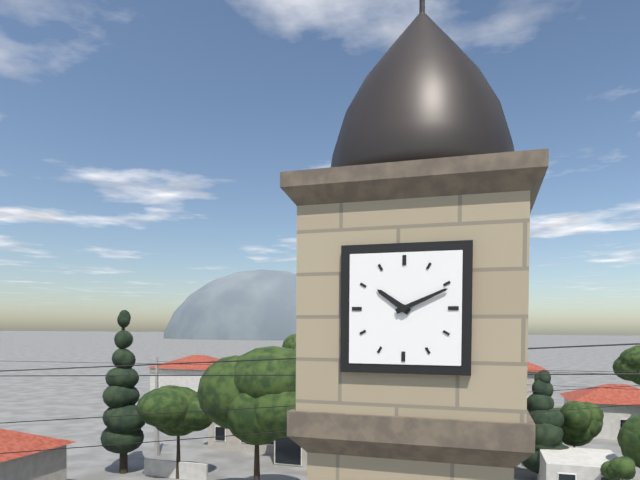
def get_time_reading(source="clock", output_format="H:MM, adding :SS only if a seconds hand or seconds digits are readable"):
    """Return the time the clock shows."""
10:11
